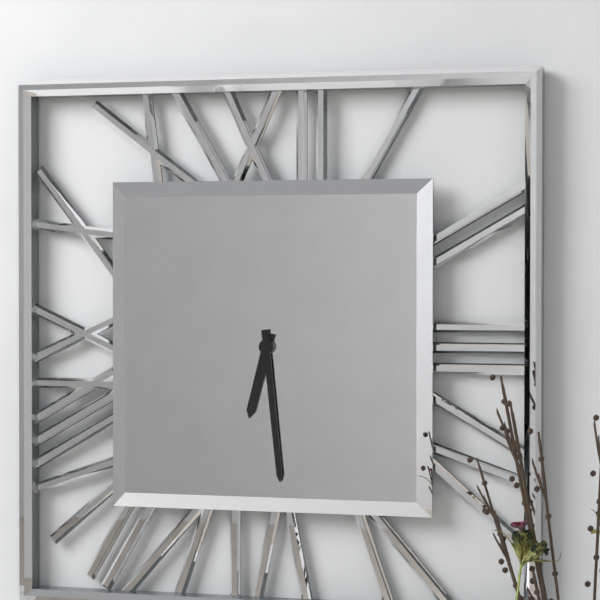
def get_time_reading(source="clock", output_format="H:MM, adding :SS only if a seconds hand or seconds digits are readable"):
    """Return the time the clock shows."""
6:29
